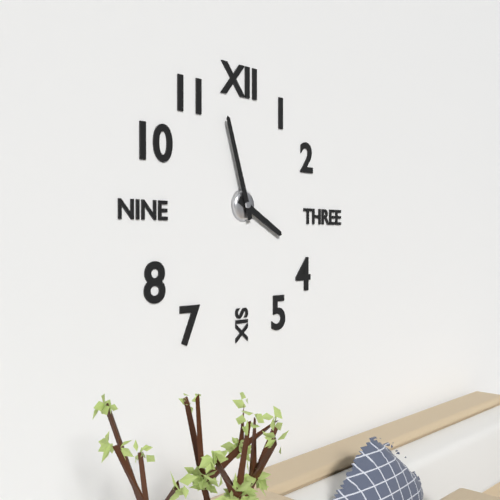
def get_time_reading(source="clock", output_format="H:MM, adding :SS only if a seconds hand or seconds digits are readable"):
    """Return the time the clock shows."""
3:57
